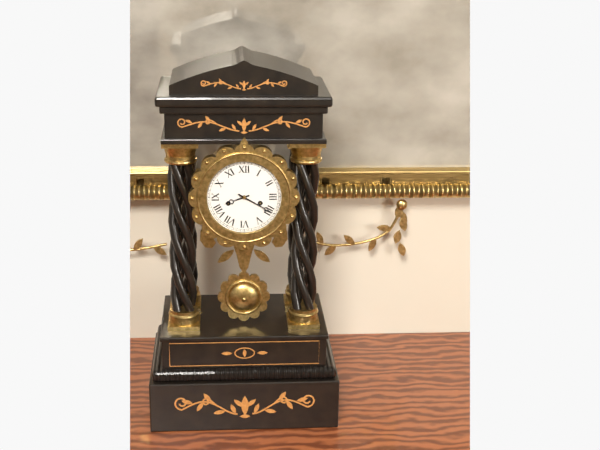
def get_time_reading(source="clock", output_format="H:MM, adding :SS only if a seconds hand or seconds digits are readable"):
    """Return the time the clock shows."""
8:20
